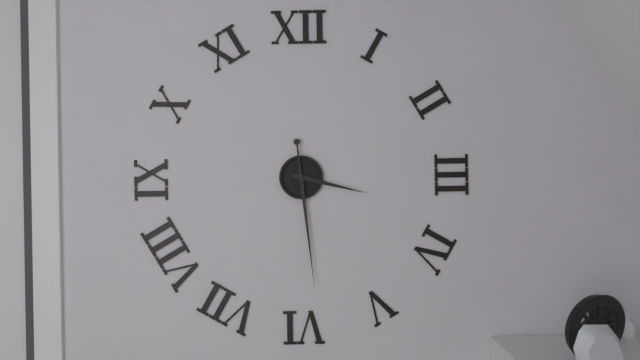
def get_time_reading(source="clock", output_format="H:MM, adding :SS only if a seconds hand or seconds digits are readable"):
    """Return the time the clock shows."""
3:29
